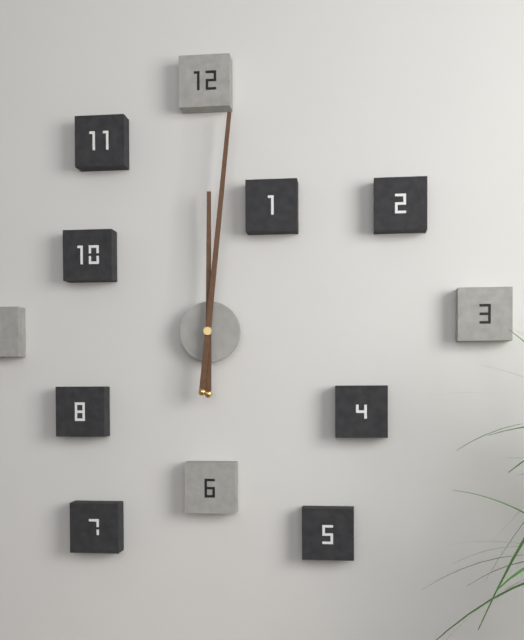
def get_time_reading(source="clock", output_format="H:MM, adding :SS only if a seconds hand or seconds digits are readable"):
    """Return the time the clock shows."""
12:01
